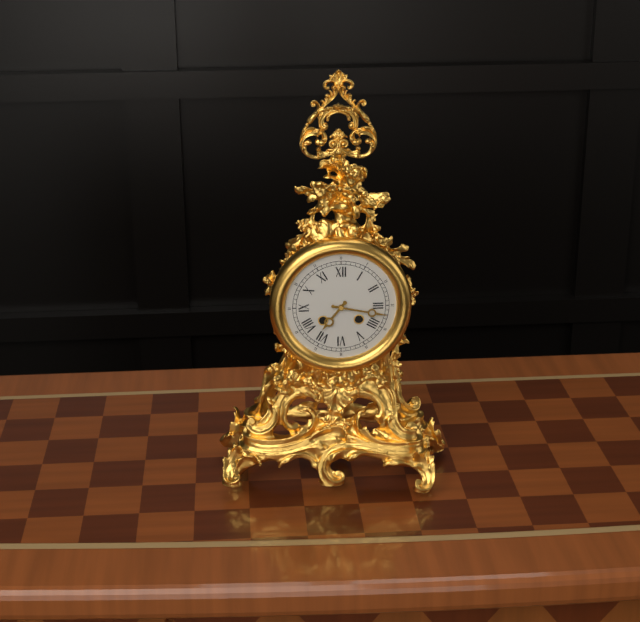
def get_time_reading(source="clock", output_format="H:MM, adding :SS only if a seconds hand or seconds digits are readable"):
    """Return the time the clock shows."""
7:17
